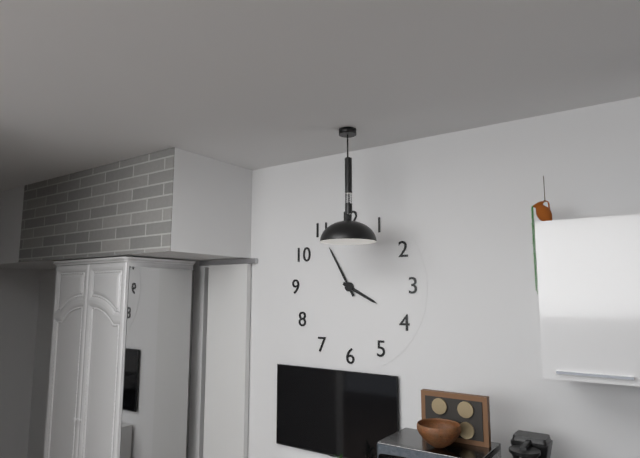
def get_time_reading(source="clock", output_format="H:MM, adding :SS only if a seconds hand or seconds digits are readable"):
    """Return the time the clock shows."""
3:55
